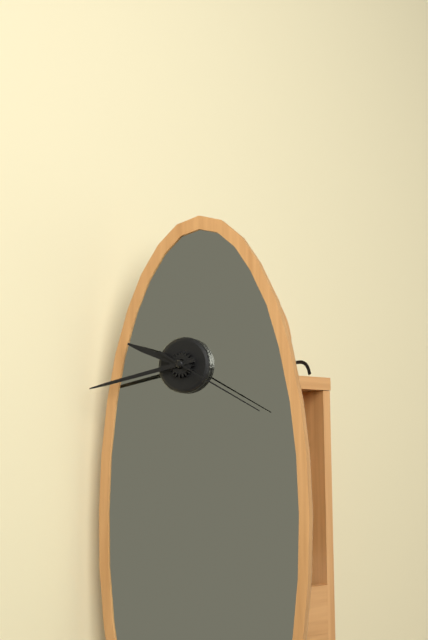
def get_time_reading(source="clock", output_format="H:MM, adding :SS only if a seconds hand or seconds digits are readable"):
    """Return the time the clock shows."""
9:43:20
